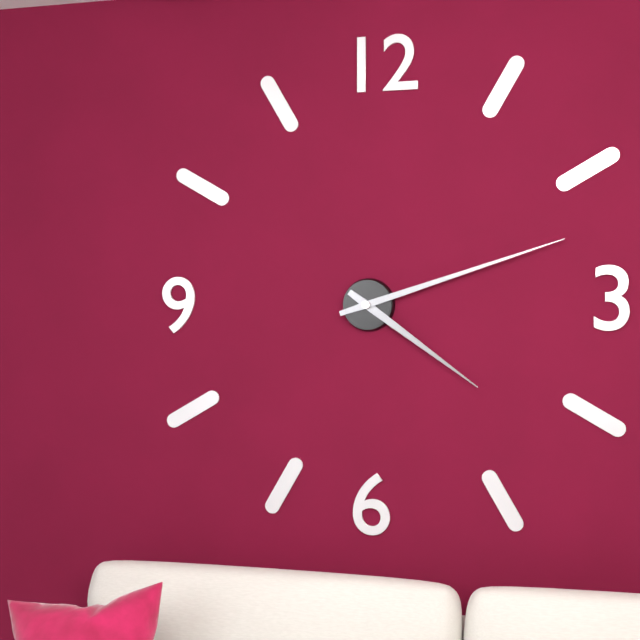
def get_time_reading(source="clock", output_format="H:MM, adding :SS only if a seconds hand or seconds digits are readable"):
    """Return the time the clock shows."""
4:12
